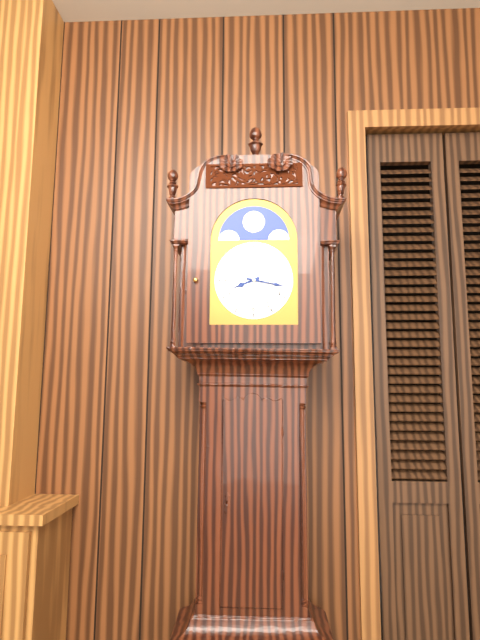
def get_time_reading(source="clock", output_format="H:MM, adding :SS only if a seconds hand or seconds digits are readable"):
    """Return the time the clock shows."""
8:17
